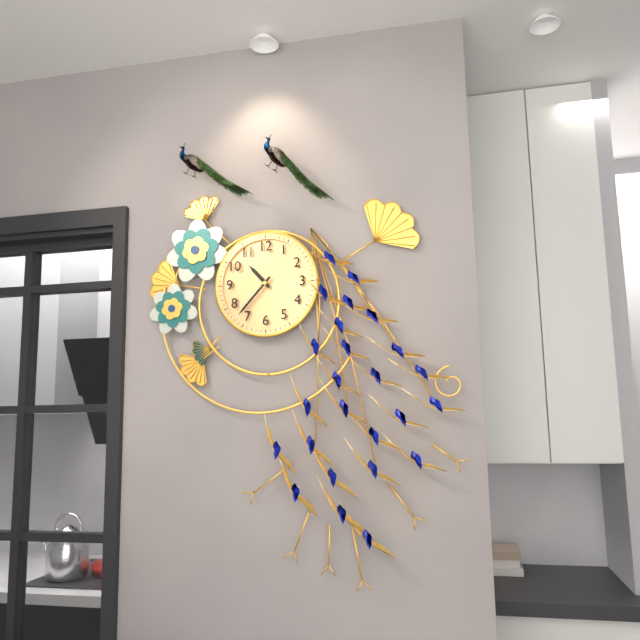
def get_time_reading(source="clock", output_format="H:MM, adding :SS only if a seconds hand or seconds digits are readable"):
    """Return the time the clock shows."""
10:37
